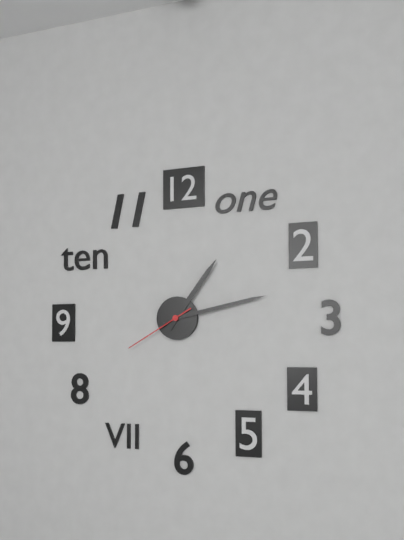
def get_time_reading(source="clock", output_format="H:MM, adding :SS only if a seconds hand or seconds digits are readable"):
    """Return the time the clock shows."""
1:13:40
